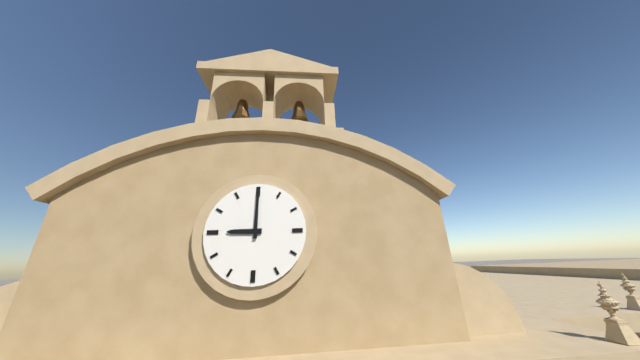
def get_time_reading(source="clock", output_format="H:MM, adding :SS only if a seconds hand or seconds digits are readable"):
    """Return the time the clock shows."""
9:00
